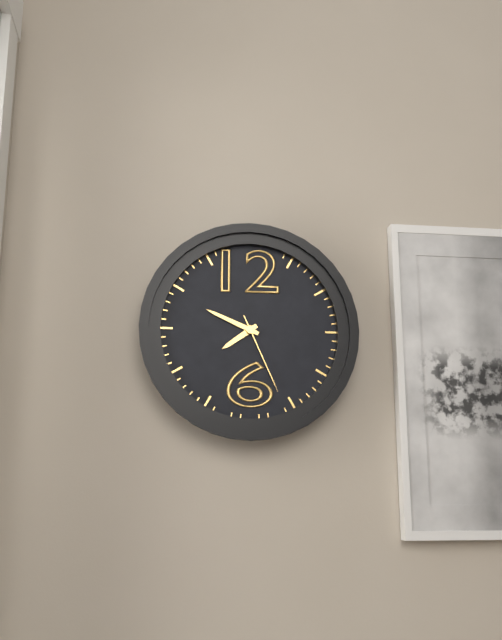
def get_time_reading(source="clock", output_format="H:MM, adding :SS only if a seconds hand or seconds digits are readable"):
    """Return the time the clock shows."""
7:49:26
